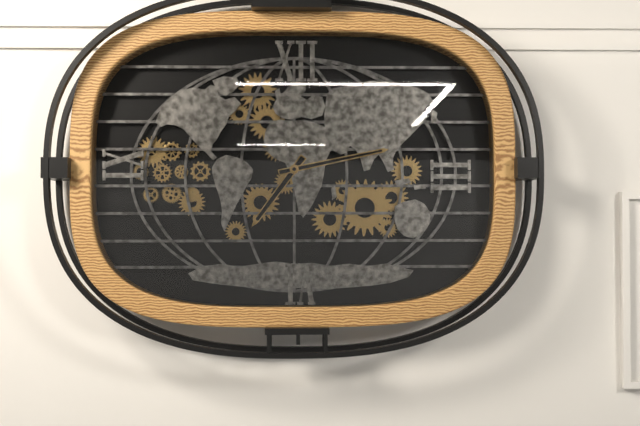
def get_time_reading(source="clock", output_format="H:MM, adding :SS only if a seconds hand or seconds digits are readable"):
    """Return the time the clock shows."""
7:13
